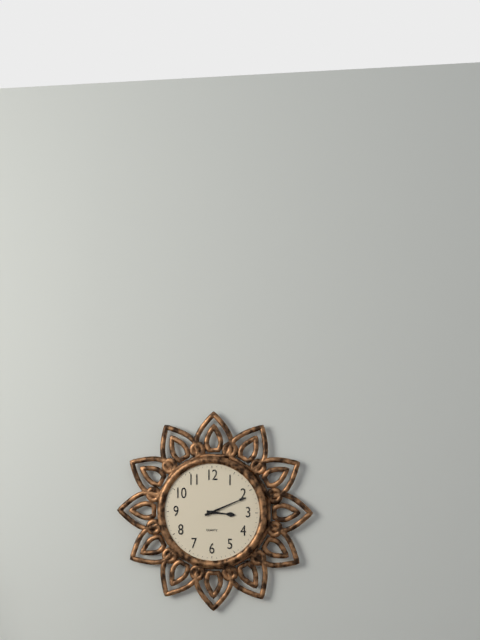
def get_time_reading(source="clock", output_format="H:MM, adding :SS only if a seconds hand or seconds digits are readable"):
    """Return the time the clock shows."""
3:11
